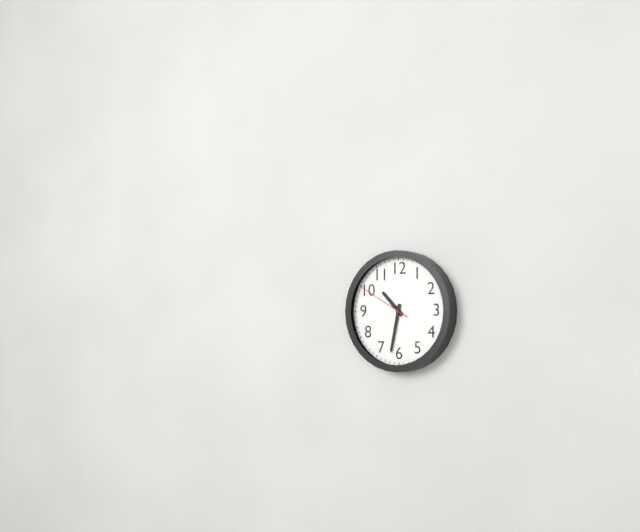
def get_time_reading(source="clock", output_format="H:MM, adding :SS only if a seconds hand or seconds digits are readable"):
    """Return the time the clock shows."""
10:32:50
